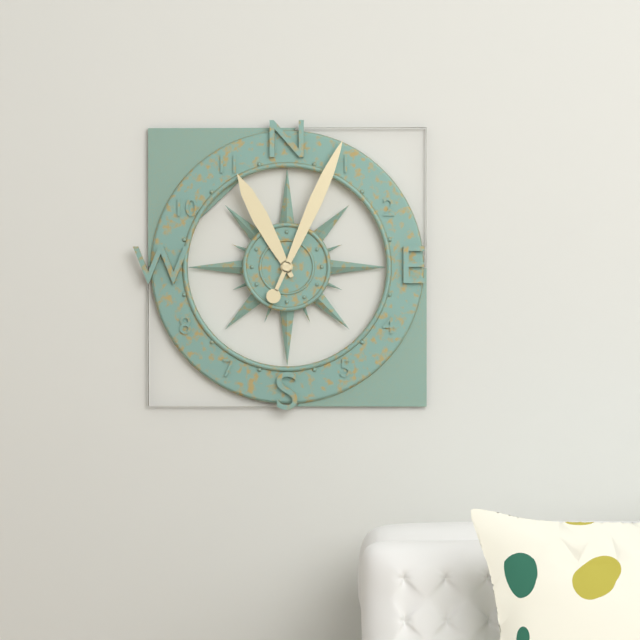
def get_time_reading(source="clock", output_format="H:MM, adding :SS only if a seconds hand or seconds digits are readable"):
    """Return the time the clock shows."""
11:04
